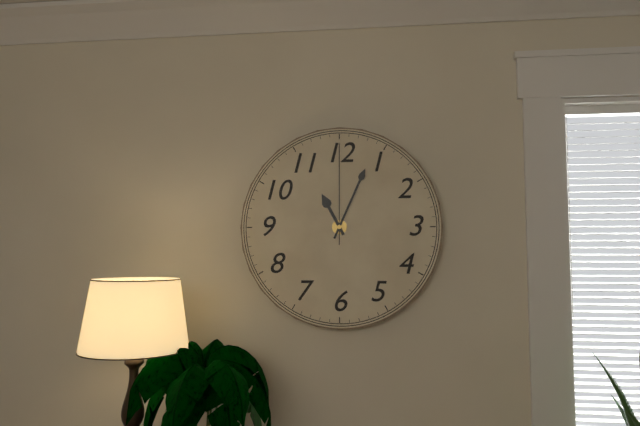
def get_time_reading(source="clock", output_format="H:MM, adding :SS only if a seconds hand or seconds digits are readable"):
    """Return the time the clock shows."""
11:04:00
